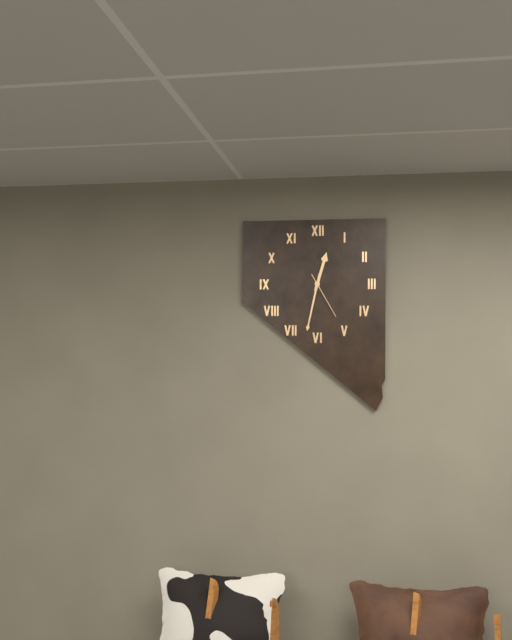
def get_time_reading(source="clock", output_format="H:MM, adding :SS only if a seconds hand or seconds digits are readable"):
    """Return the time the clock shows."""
12:32
